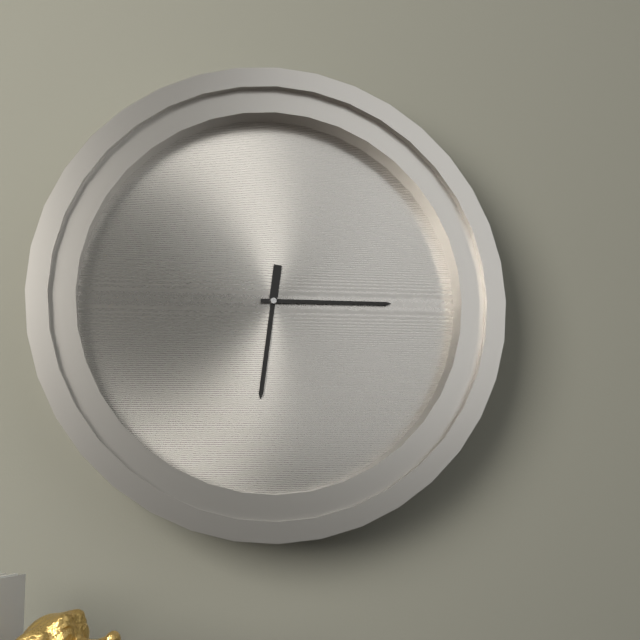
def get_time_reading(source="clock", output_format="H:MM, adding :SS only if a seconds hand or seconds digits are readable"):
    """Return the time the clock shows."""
6:15
